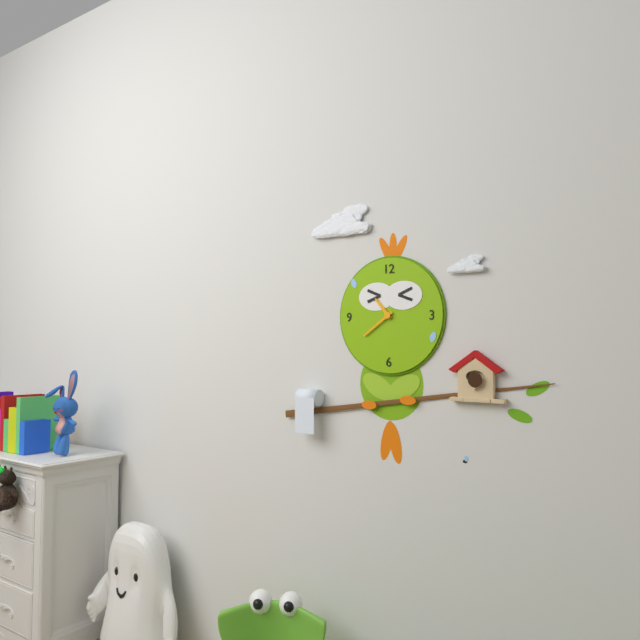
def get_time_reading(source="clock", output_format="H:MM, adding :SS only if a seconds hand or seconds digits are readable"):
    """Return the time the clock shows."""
10:39
